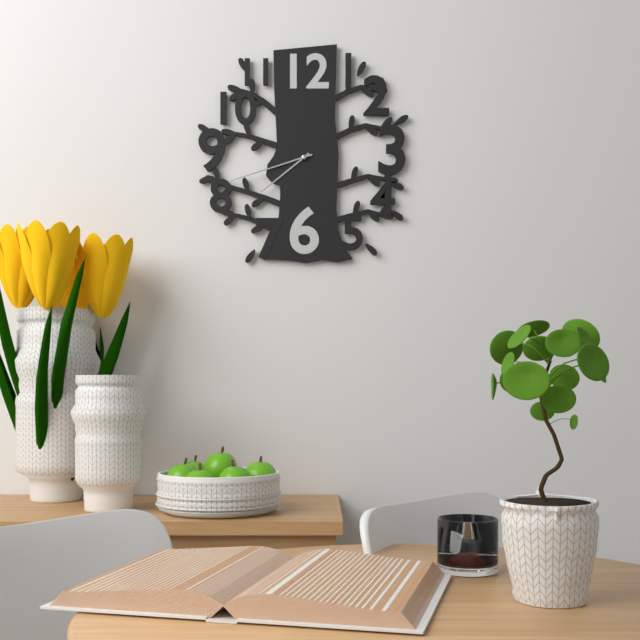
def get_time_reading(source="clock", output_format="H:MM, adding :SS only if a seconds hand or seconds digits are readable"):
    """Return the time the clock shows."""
7:42
